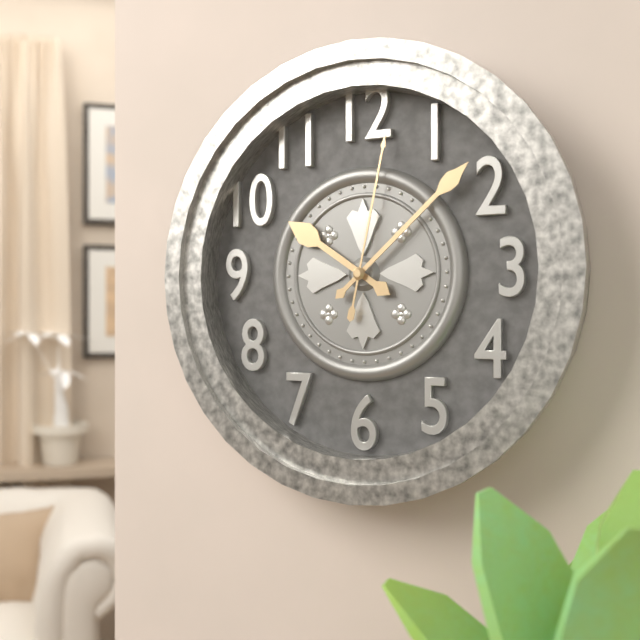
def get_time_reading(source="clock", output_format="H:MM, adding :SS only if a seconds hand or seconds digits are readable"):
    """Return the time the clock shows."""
10:08:02
